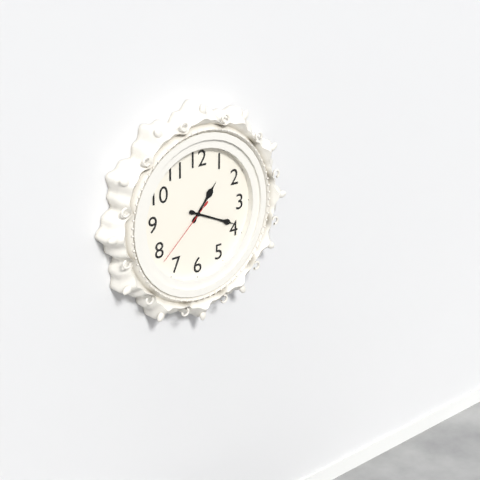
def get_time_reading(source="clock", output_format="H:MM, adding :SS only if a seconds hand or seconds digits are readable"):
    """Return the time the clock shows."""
1:19:38
